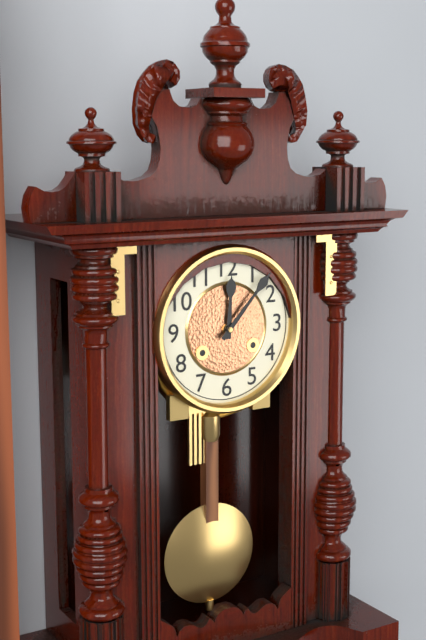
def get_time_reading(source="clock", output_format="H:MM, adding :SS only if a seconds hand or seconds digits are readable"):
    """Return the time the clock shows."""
12:07
